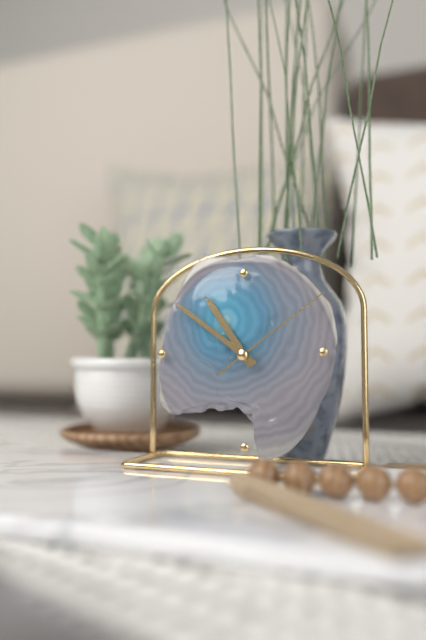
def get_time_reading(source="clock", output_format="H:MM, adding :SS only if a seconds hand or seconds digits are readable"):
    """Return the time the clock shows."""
10:51:09
